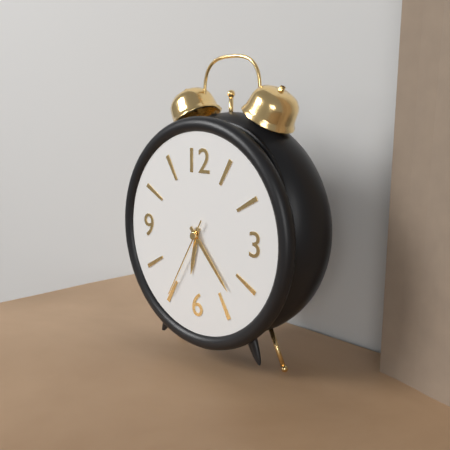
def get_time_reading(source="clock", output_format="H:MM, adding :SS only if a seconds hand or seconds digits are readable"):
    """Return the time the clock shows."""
6:23:35
